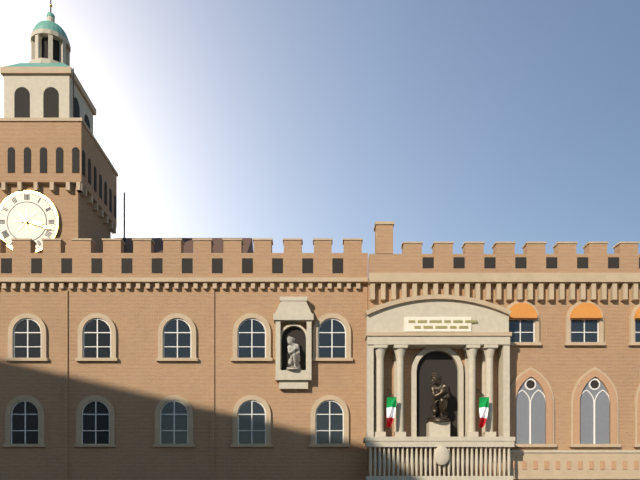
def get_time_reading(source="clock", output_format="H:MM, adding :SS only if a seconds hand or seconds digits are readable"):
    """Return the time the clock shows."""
3:18
